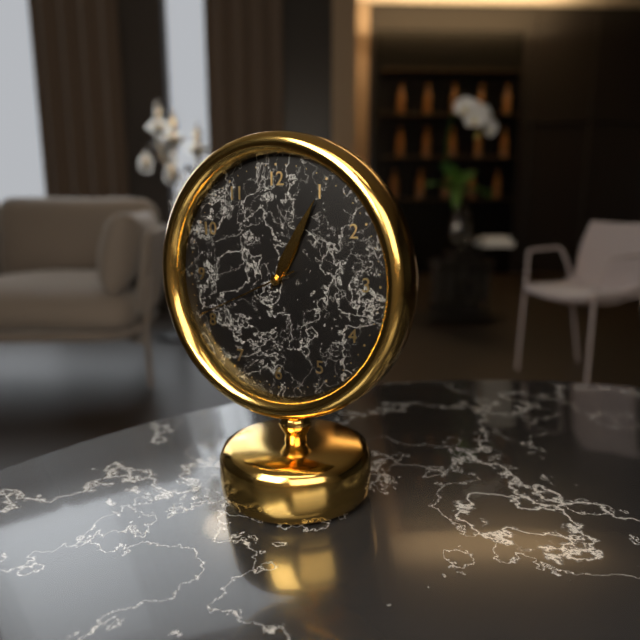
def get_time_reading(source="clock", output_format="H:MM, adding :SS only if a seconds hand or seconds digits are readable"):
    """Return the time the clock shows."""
1:05:41
